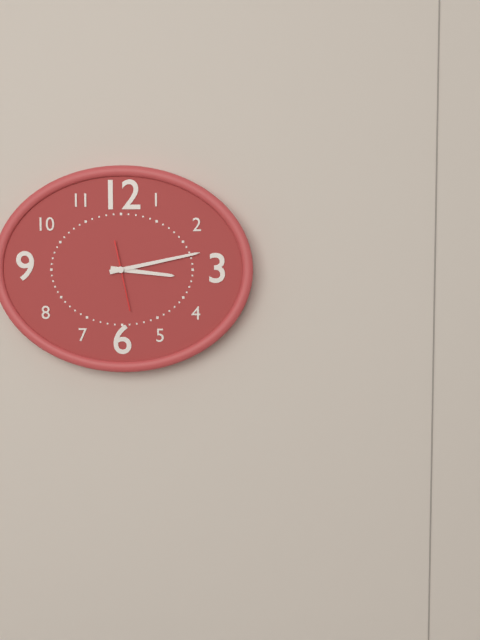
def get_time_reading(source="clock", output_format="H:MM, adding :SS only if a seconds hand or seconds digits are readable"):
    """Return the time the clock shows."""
3:13:28
